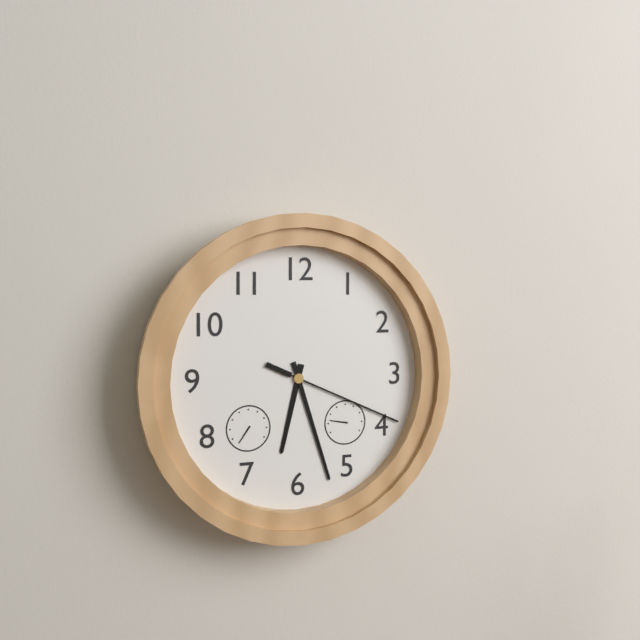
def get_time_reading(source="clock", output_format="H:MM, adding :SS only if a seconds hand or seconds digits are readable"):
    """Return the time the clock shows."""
6:27:19
